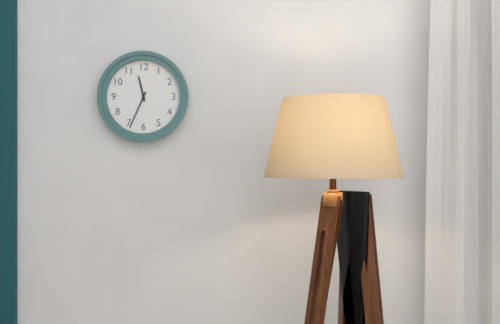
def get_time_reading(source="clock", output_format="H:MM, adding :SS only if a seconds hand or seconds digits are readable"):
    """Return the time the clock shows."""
11:34
